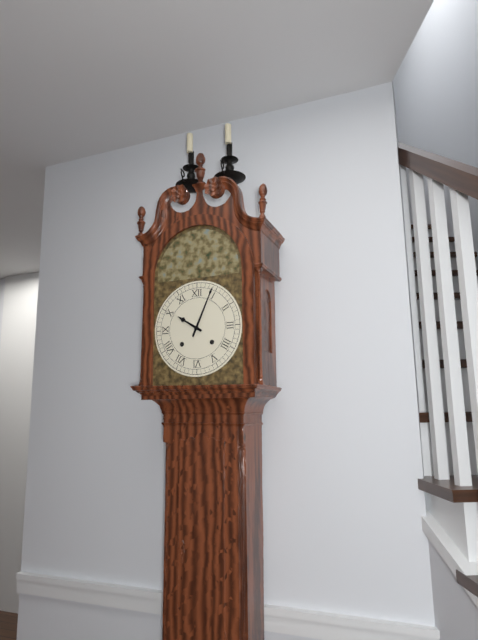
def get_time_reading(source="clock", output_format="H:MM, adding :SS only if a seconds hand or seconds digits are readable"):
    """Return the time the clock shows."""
10:04
